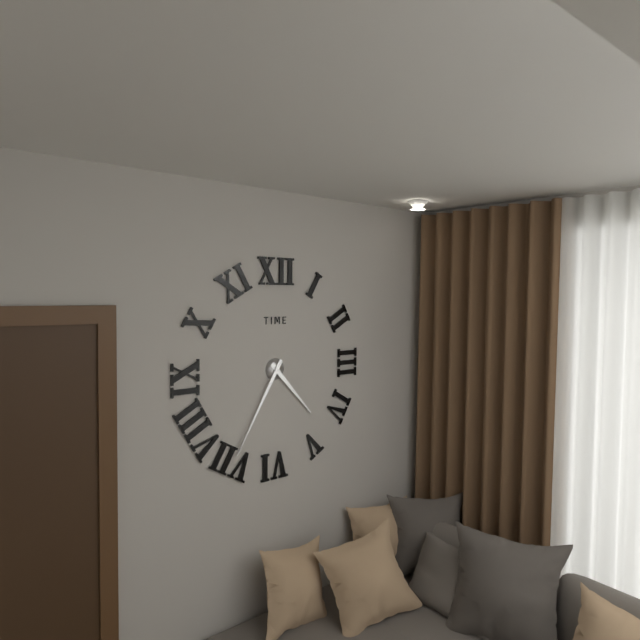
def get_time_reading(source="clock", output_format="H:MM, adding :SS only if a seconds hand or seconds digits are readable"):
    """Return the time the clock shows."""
4:35
